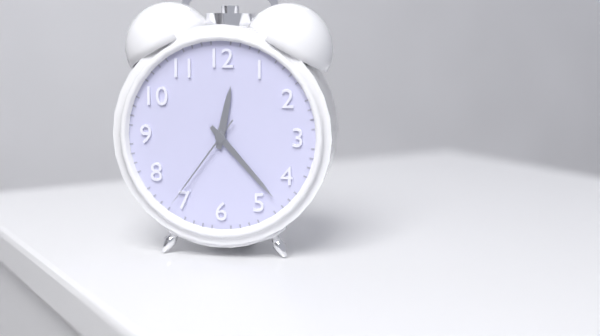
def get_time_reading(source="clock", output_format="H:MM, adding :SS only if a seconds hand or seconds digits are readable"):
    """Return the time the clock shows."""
12:23:36
